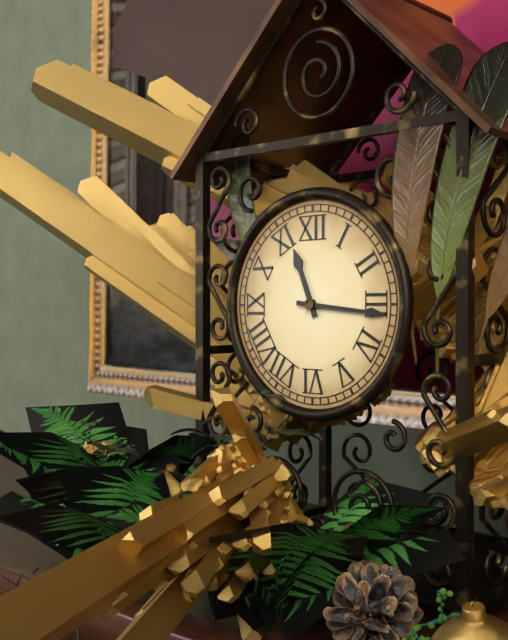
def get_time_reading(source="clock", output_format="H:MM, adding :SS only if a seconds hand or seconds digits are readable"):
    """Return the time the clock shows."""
11:16
